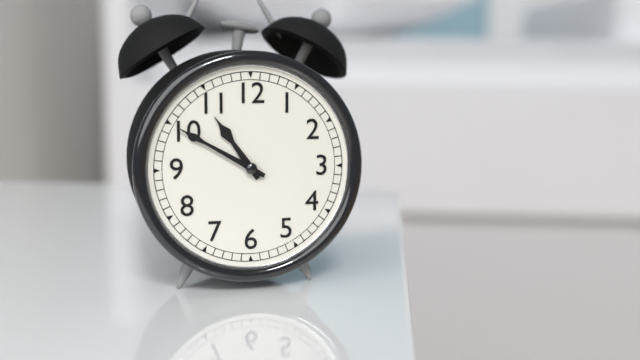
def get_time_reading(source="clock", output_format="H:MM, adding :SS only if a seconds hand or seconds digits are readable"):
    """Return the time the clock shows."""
10:50
